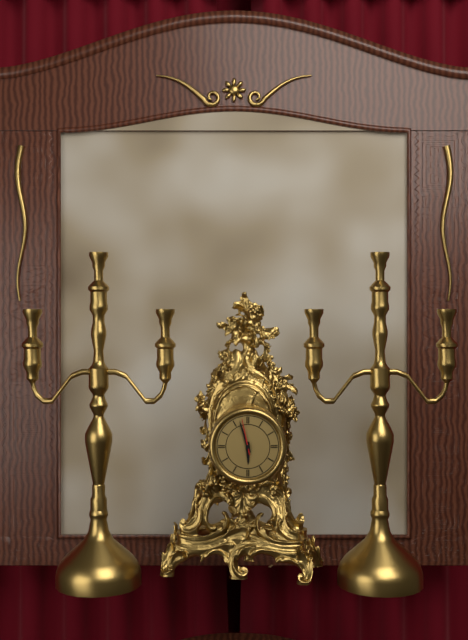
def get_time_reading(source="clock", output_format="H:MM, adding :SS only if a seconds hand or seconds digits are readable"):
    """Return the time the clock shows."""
5:57
